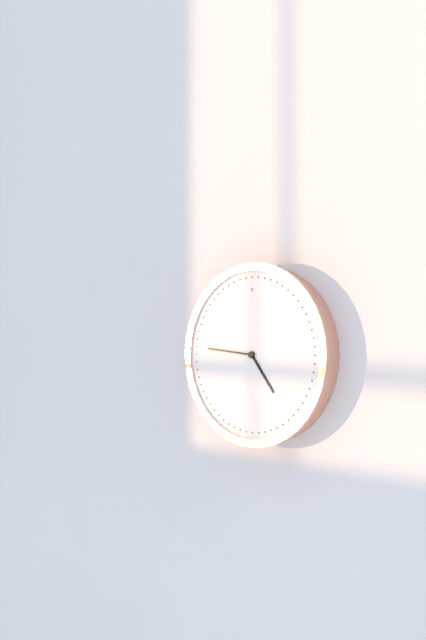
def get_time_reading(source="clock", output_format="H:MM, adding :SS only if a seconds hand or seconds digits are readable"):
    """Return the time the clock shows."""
4:46
